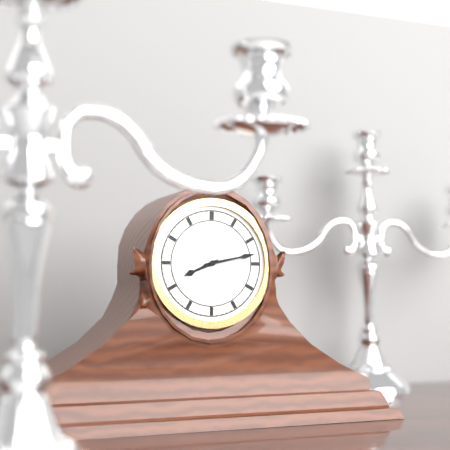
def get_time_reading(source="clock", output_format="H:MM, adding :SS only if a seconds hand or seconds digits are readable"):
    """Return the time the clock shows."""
8:13
